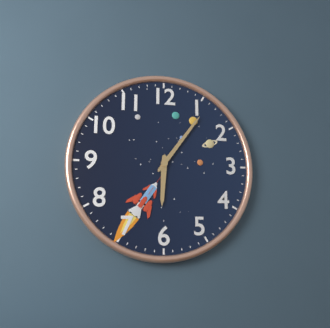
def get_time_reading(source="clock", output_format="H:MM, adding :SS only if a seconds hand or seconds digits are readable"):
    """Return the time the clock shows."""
6:06
